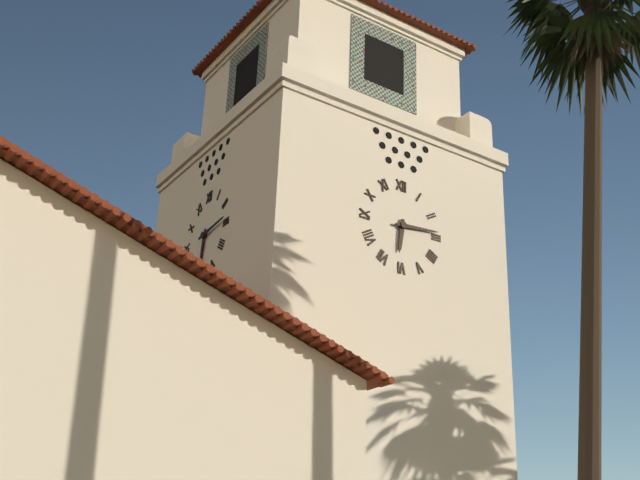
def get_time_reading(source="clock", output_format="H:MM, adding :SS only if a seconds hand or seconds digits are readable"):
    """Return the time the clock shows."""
6:14
